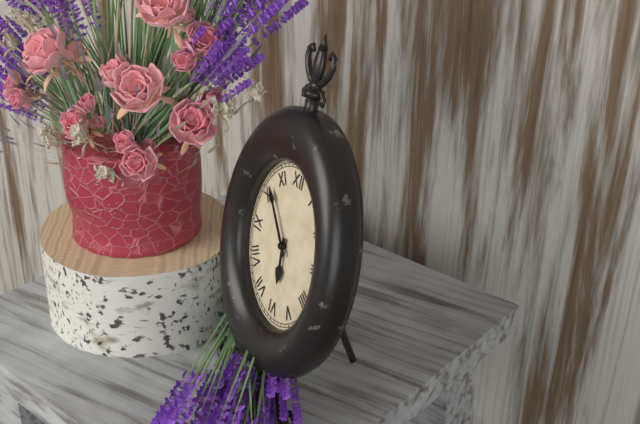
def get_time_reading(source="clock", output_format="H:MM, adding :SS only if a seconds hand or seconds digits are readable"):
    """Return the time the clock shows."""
5:53
